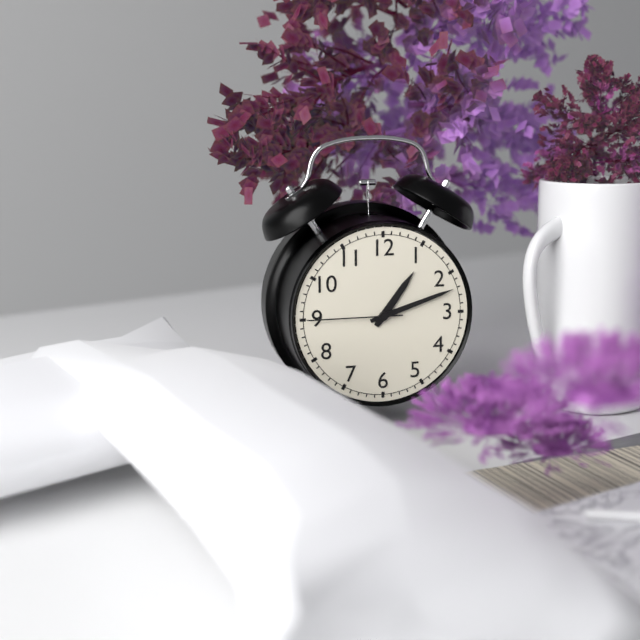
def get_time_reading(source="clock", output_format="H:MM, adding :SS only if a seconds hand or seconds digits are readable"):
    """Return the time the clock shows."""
1:12:45
